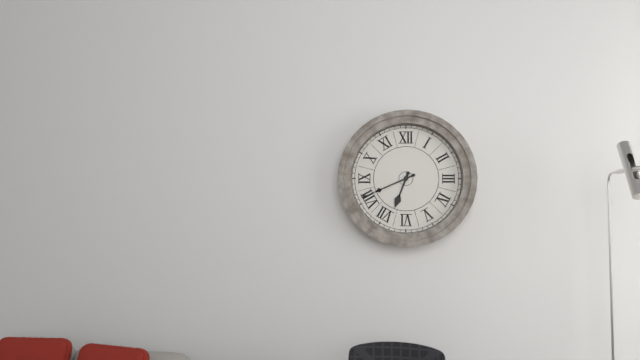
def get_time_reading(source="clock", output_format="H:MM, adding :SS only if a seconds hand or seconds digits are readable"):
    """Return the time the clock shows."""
6:41
